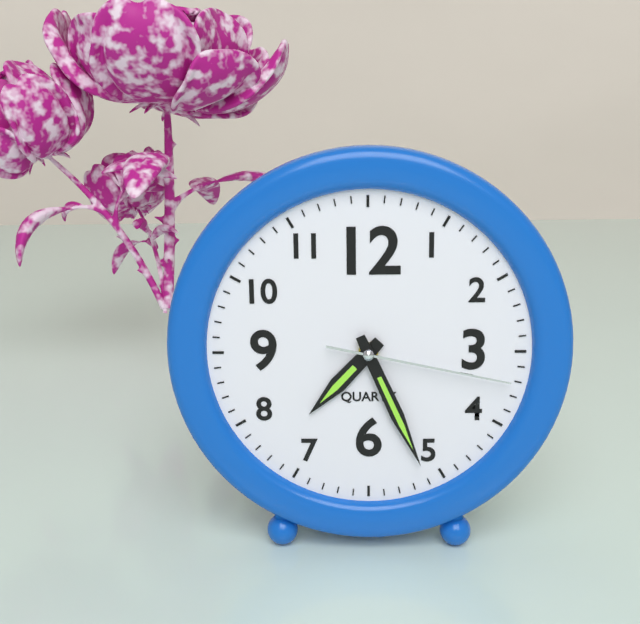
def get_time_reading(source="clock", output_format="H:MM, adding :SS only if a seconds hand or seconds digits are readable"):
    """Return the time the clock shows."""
7:26:17
